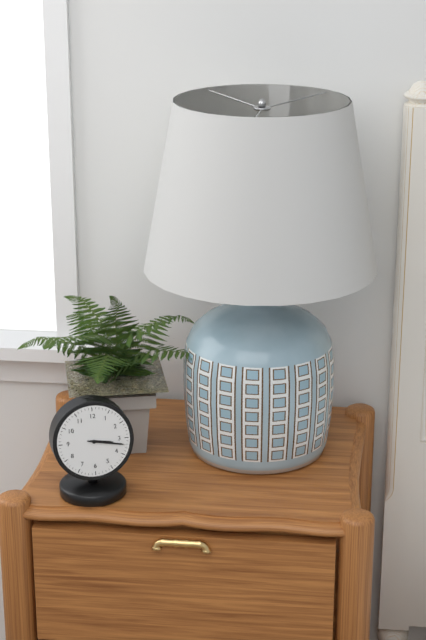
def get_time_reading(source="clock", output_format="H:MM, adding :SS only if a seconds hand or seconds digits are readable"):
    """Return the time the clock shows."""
3:17
